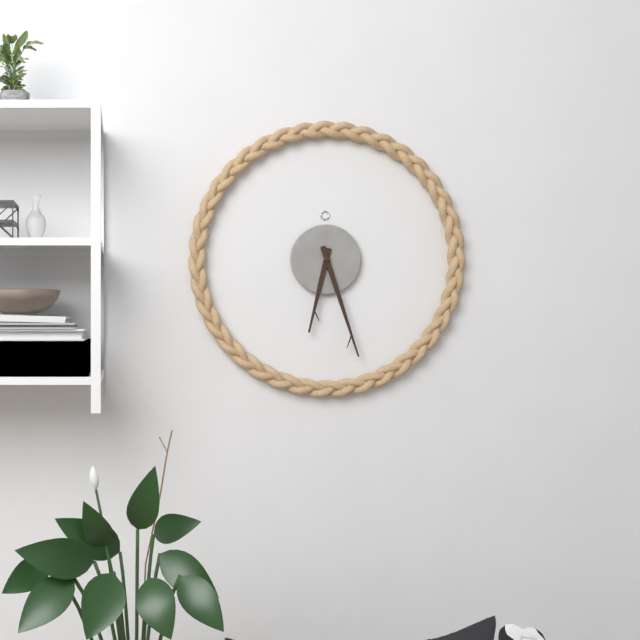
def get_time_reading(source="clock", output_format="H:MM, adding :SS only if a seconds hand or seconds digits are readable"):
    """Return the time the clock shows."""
6:27
